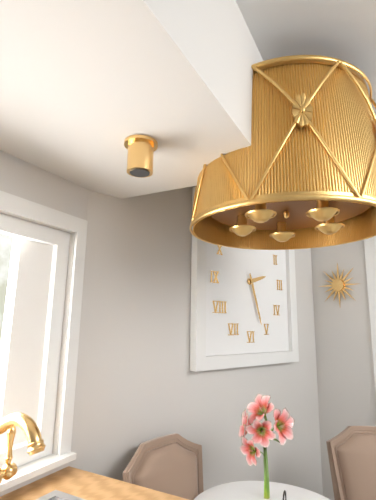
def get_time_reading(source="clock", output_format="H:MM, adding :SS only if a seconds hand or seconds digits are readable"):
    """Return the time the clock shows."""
2:27
